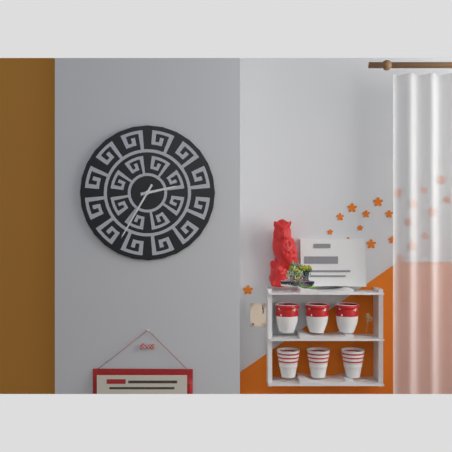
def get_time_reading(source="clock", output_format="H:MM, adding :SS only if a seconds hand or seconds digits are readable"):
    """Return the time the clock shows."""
2:35
